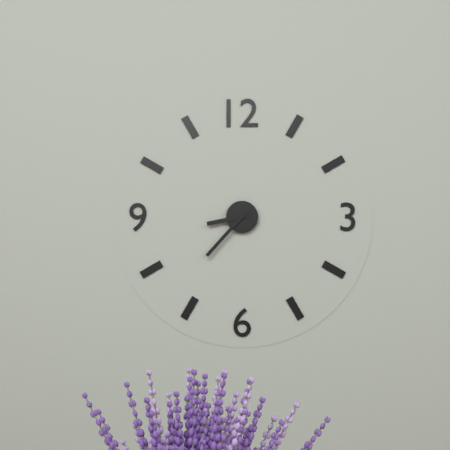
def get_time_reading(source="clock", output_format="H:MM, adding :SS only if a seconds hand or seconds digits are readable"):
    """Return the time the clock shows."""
8:37
